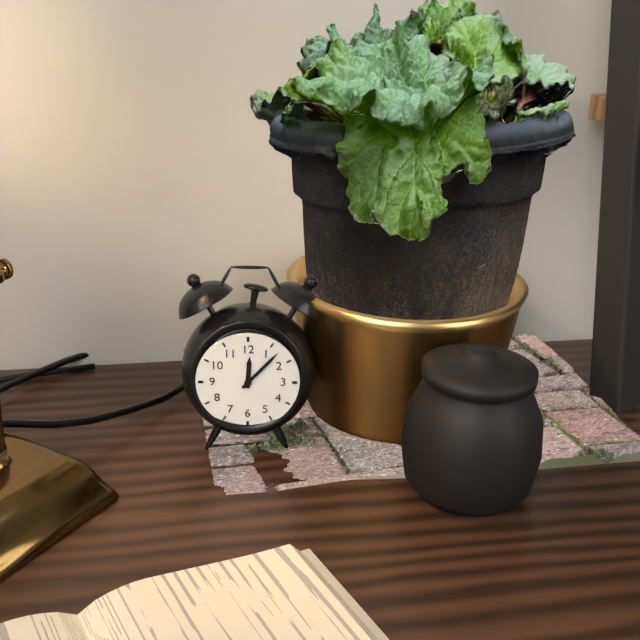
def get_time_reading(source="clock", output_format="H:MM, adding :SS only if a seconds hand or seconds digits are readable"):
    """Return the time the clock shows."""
12:07
